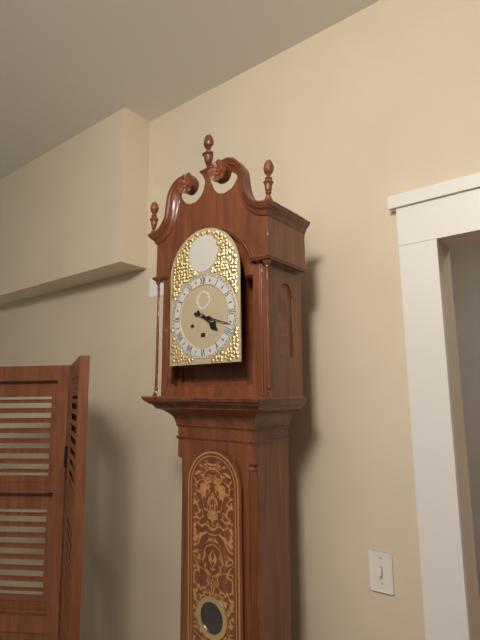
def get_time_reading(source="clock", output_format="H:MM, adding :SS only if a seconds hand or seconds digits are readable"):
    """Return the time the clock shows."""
4:18
